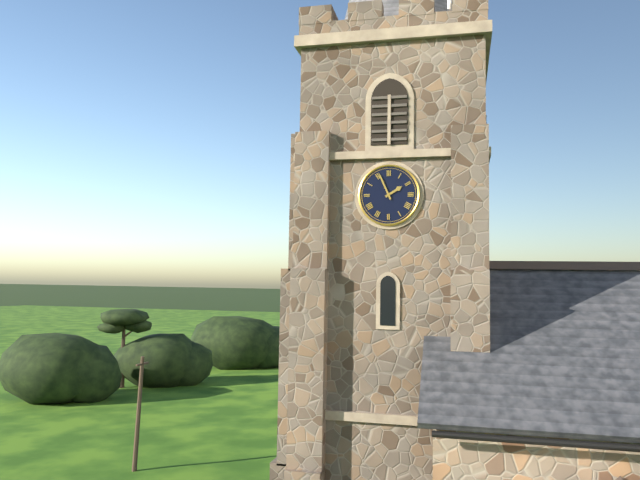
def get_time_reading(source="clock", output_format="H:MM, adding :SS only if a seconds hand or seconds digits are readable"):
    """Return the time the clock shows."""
1:56
